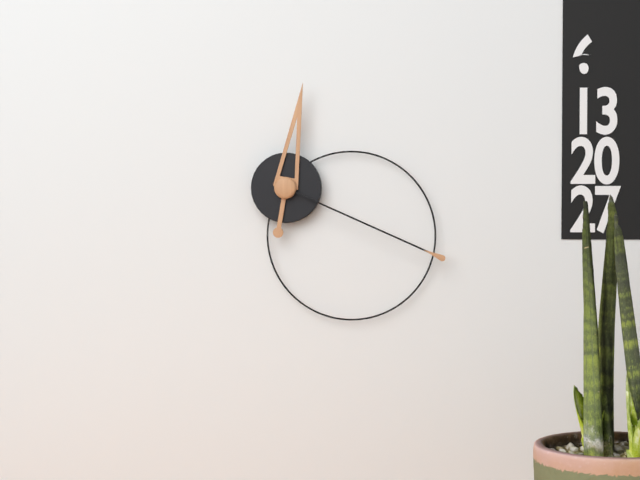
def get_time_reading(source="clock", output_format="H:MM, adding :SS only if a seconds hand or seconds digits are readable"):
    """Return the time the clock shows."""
12:19
